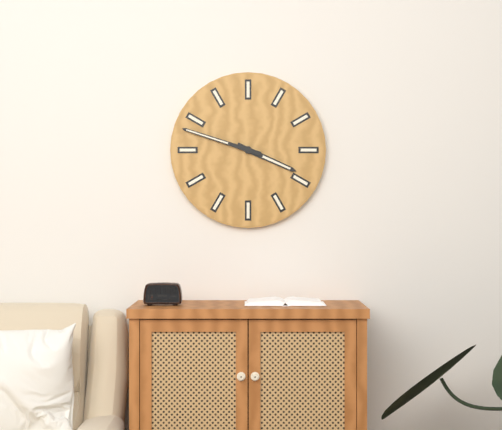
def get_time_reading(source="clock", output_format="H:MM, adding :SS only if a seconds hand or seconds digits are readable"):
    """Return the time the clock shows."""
3:48
